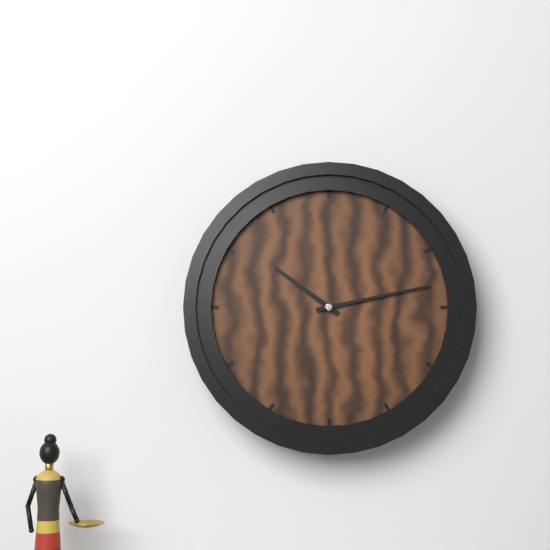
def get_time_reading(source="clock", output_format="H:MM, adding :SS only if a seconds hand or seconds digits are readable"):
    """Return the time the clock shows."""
10:13
